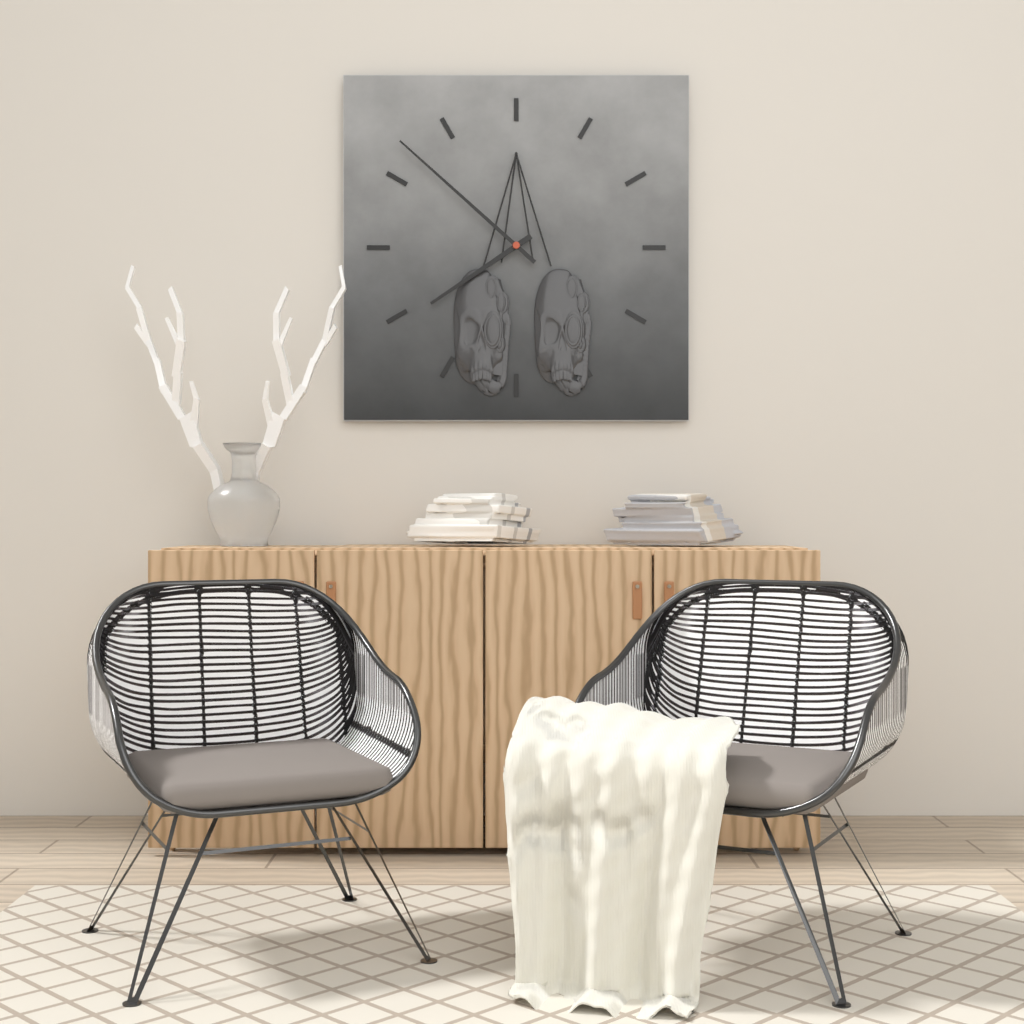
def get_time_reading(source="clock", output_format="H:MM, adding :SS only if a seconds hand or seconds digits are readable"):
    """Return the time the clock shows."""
7:52
